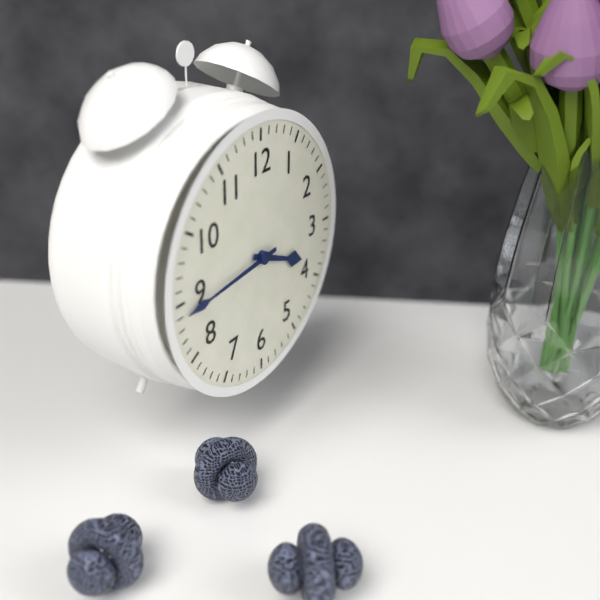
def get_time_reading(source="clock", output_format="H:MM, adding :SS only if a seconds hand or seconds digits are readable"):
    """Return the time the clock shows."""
3:44
